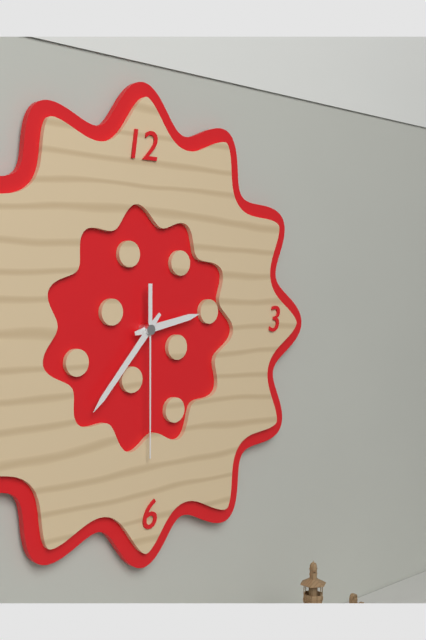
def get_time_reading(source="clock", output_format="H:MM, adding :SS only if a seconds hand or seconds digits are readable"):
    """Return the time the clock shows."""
2:37:30
